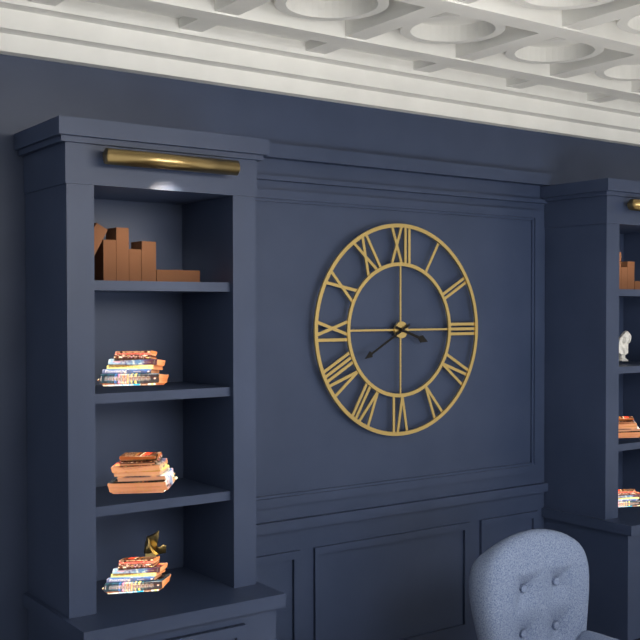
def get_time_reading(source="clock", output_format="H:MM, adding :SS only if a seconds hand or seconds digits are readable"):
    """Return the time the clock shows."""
3:40
